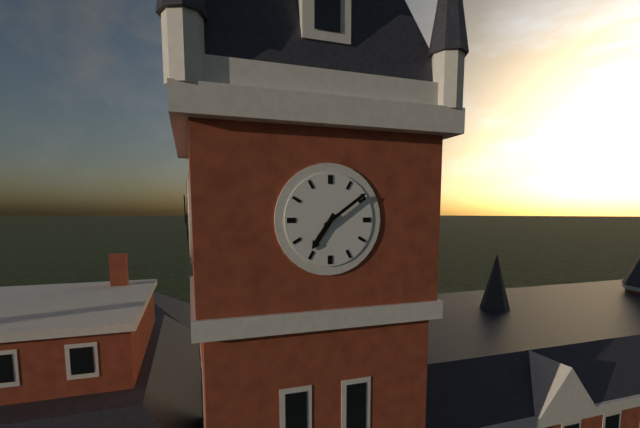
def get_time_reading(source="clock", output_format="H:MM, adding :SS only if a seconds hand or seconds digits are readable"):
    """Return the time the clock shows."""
7:09
